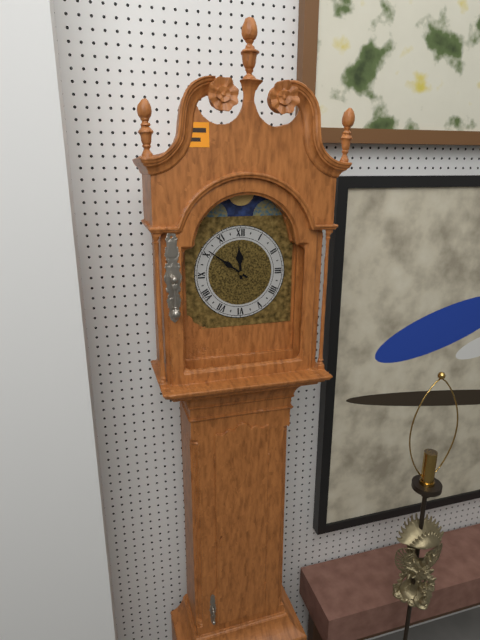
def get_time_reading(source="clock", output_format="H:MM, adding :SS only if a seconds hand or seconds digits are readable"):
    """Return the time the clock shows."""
11:51
